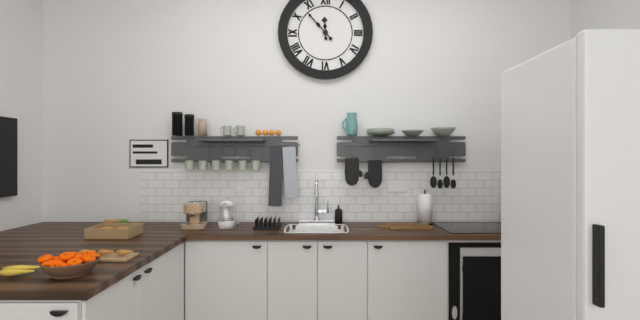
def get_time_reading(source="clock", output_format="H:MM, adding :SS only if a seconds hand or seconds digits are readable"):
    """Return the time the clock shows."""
11:53
